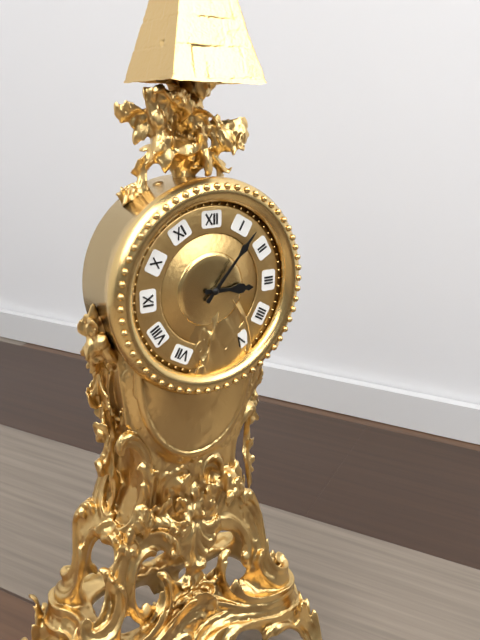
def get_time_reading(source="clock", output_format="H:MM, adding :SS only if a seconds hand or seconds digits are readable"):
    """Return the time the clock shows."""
3:07
